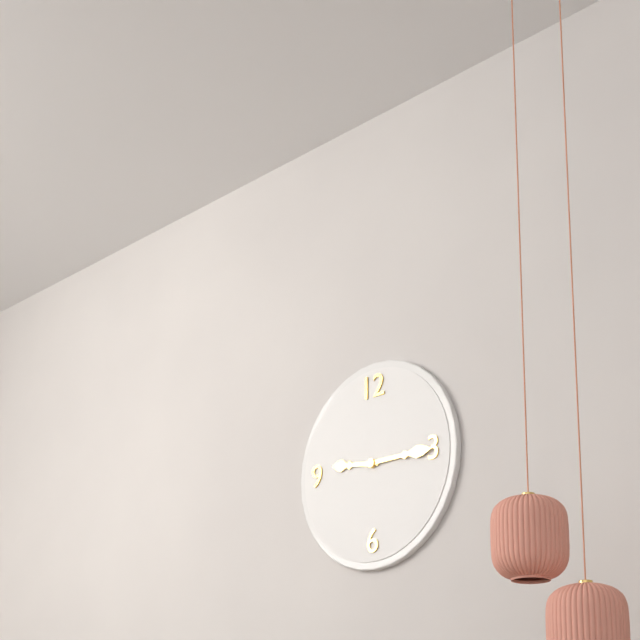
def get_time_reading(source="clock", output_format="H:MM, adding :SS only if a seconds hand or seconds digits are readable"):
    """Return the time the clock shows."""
9:15
